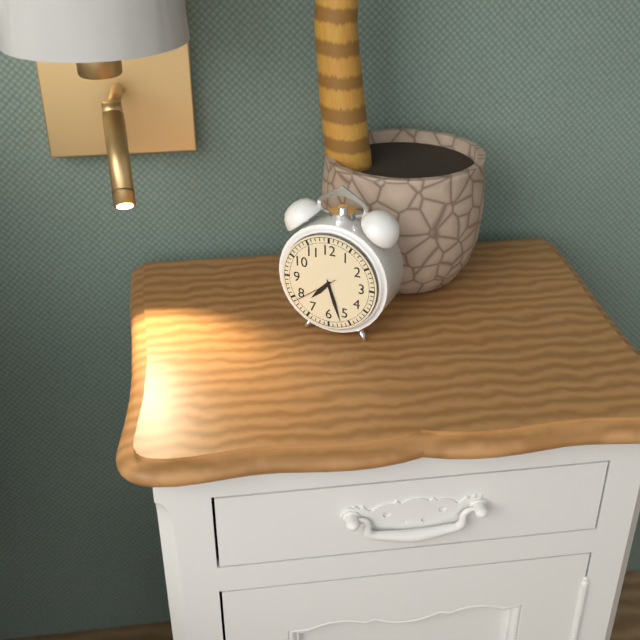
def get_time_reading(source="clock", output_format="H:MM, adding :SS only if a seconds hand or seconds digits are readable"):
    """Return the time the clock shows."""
7:27
